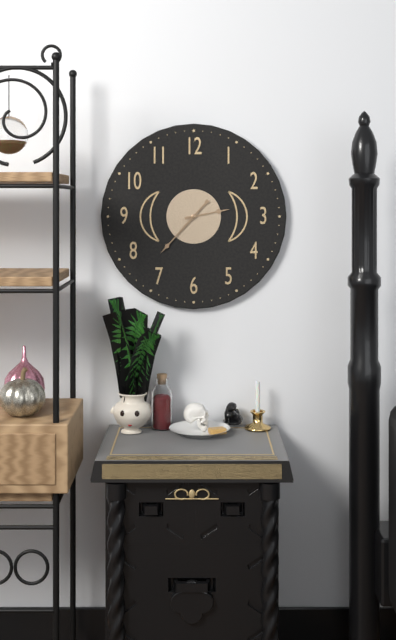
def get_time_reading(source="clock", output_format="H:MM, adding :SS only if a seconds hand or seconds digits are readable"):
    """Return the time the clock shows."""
2:37
